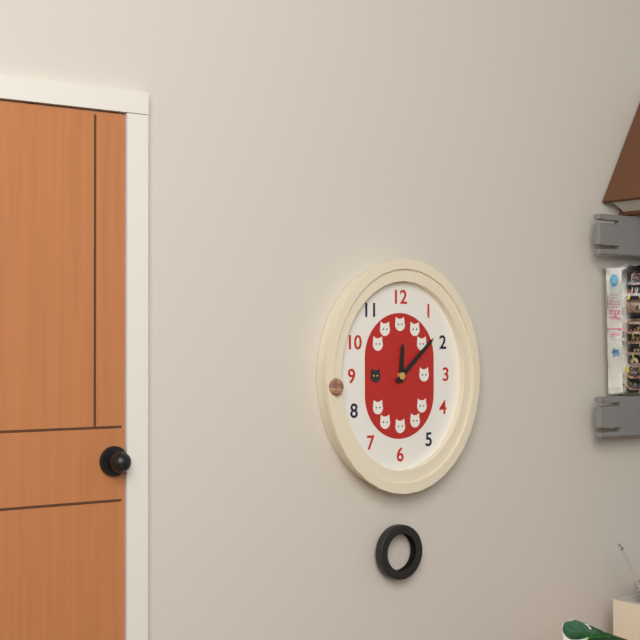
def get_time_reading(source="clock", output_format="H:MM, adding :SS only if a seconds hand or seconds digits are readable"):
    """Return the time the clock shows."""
12:08
